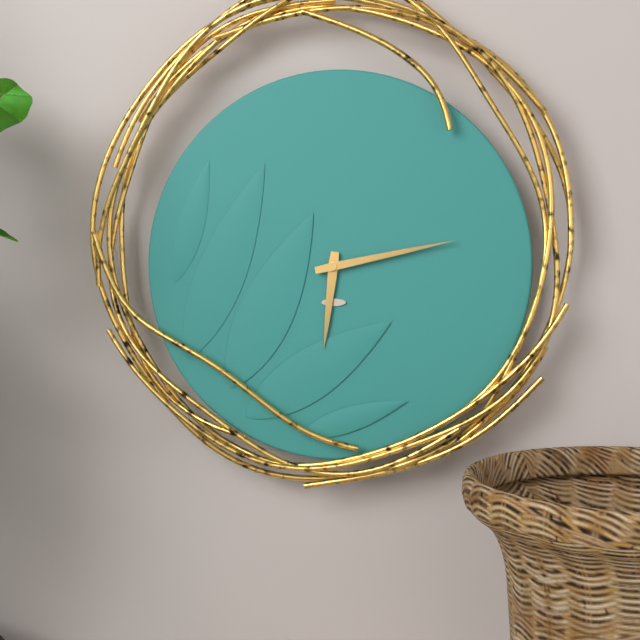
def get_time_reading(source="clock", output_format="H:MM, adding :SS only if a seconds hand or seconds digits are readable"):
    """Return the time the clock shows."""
6:13
